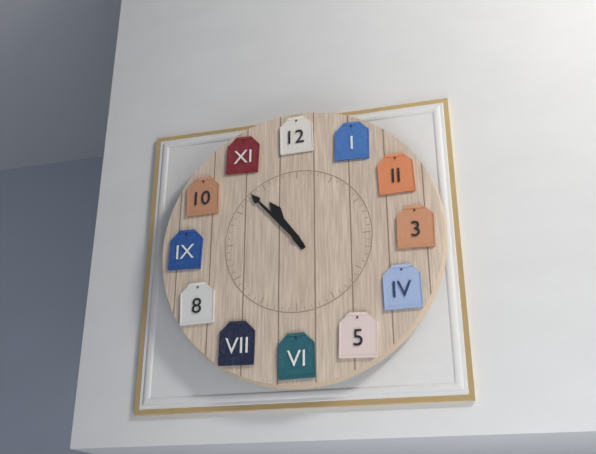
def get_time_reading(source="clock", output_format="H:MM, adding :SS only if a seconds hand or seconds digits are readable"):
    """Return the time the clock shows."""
10:53
